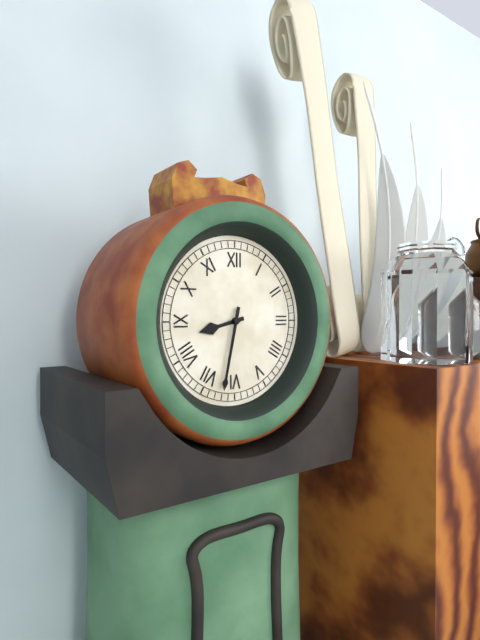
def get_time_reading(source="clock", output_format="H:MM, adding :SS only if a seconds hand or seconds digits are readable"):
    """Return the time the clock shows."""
8:32
